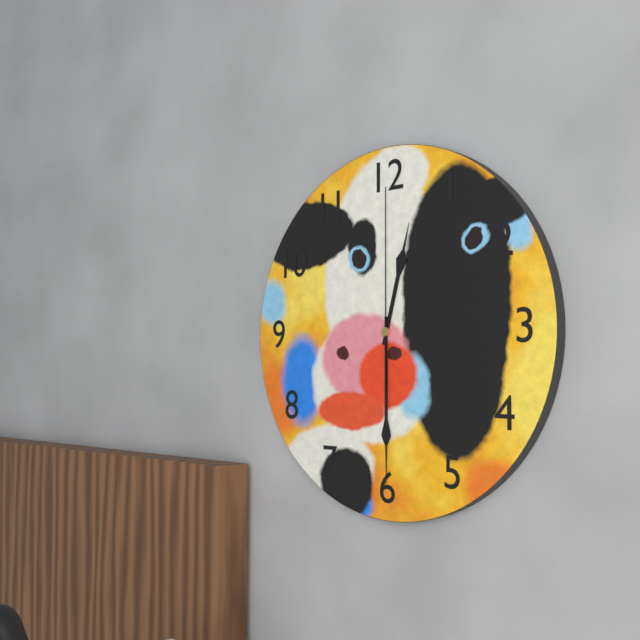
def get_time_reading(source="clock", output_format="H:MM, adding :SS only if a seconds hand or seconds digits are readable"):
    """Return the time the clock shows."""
12:30:00
